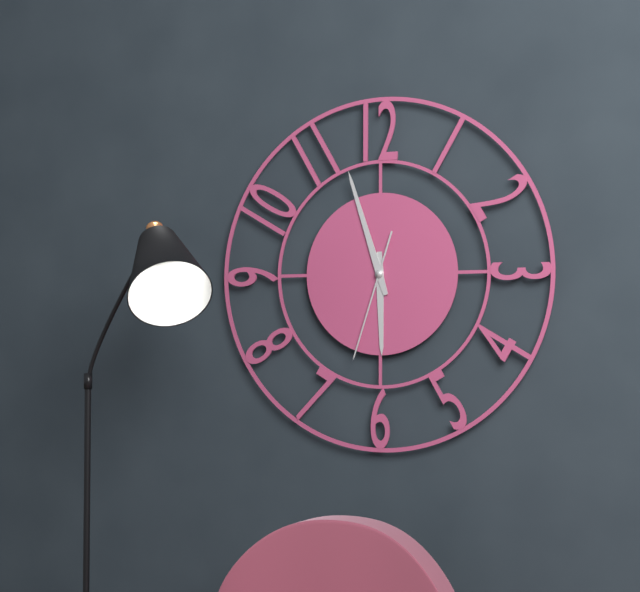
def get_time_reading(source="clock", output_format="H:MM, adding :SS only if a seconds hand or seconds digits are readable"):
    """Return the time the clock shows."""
5:57:33
